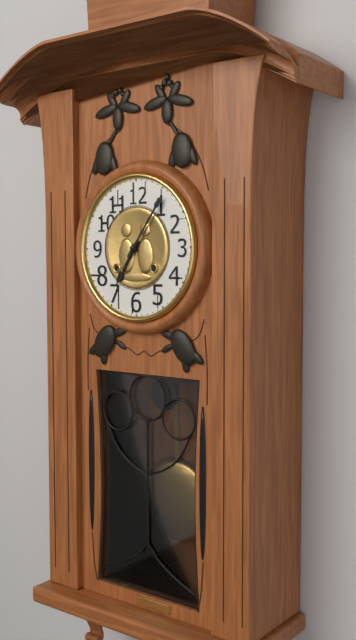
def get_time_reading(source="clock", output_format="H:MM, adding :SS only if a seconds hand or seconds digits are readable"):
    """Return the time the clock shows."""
7:06
